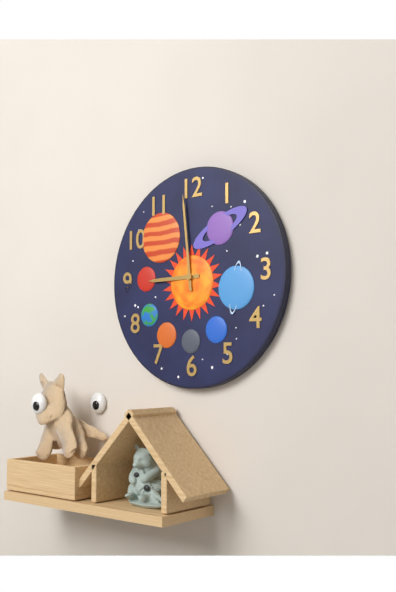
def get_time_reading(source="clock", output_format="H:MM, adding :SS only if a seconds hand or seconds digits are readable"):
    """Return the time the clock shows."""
8:59
